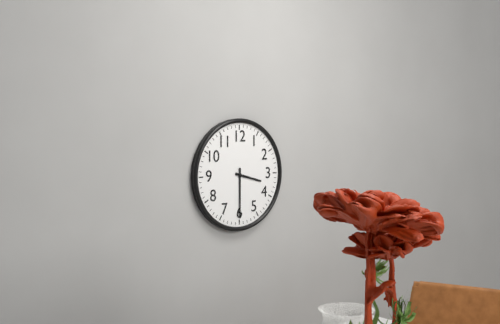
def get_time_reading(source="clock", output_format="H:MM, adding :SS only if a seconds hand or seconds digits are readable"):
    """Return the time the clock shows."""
3:30
